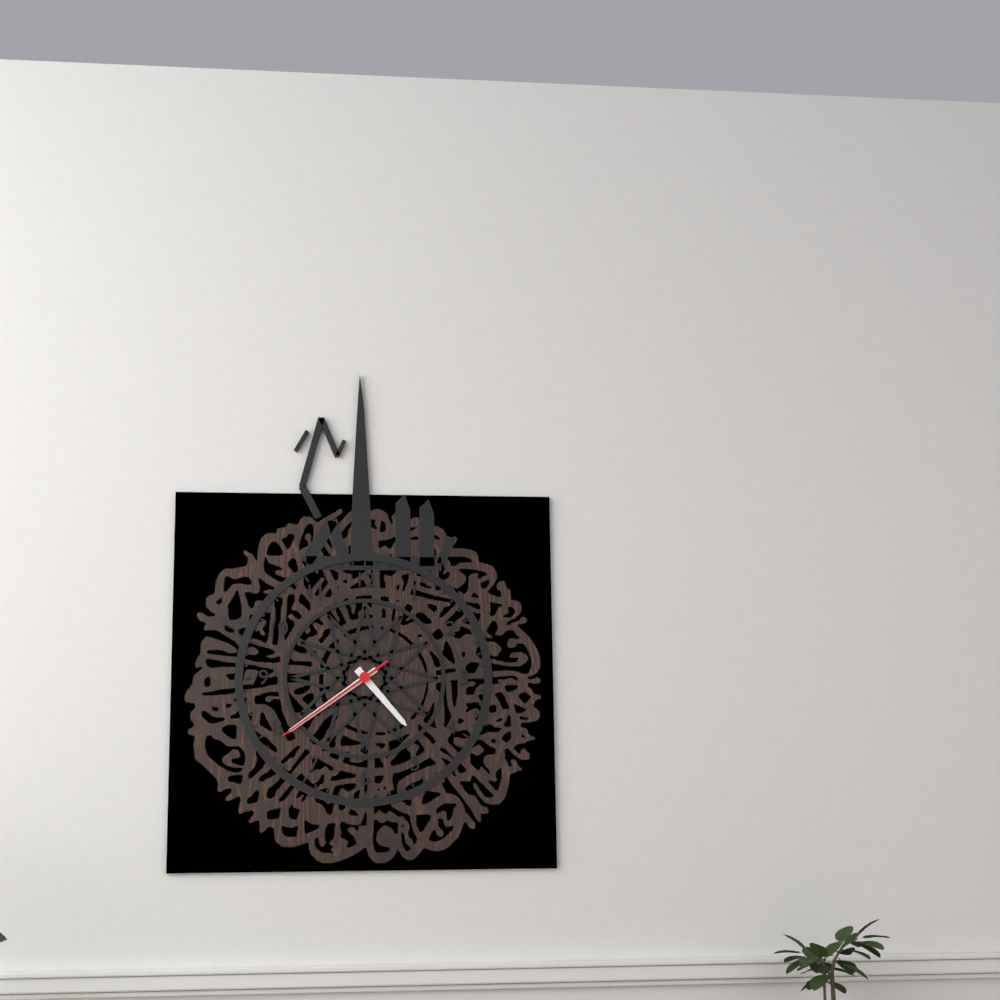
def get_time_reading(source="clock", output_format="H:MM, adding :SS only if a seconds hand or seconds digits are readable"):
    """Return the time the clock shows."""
4:39:39
